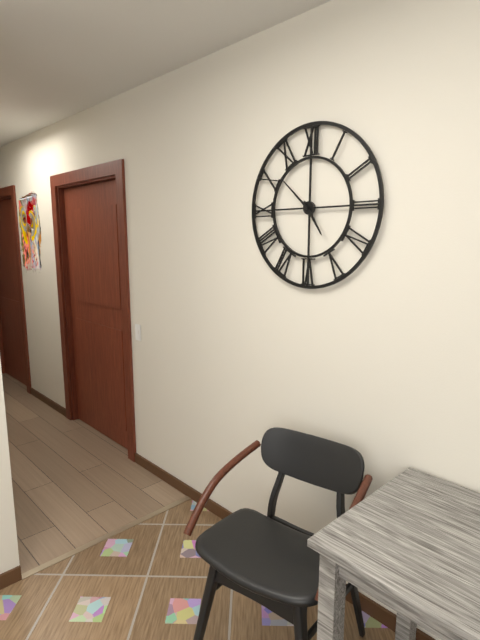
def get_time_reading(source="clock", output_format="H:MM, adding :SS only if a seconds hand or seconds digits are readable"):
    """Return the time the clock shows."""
4:52
